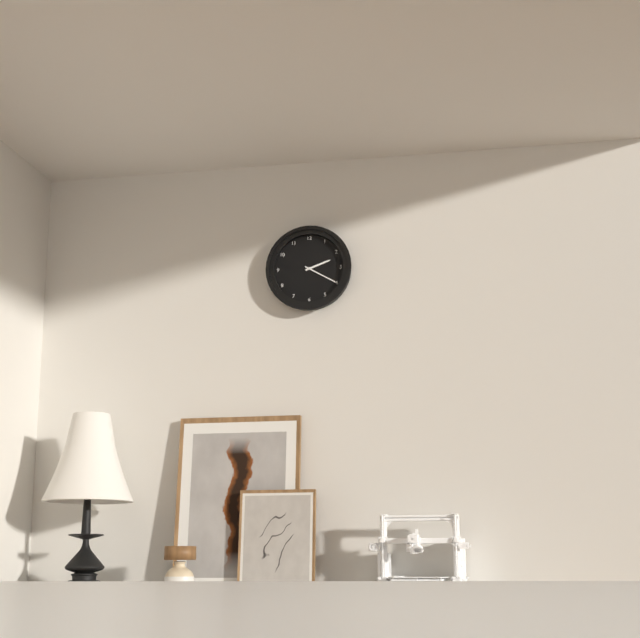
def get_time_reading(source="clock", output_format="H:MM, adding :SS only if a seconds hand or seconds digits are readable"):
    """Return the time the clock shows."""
2:20
